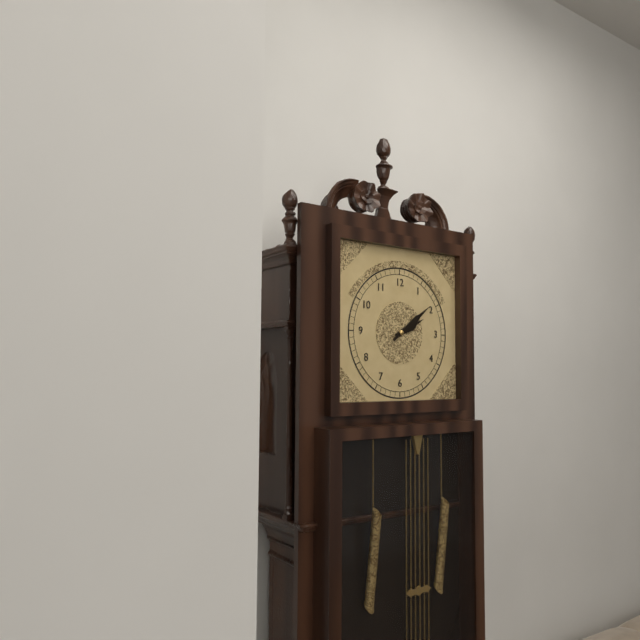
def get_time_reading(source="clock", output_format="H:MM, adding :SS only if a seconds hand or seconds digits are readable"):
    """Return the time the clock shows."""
2:09
